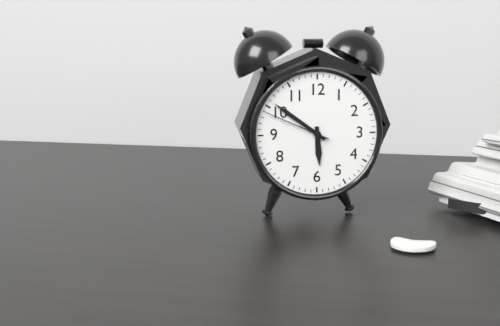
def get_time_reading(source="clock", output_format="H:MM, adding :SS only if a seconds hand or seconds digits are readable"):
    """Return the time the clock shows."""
5:51:49
